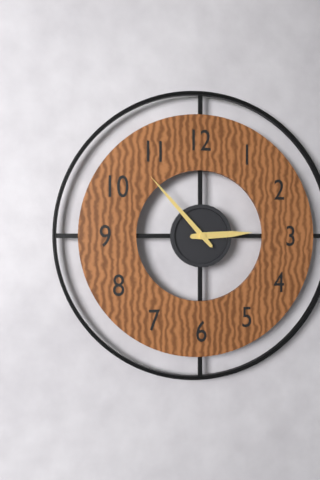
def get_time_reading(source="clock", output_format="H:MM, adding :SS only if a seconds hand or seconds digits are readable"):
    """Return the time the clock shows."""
2:53
